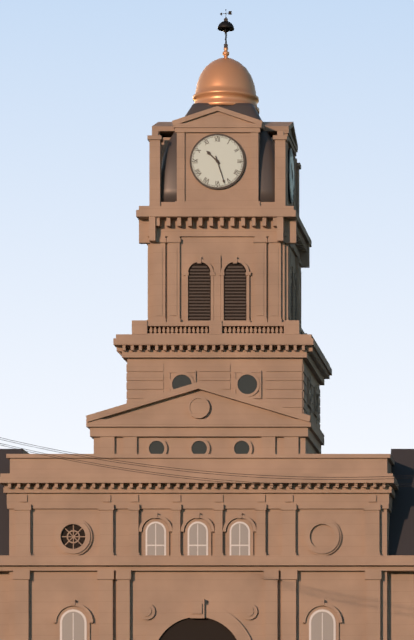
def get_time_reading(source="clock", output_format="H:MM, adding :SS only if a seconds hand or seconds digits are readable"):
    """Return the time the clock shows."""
10:27
